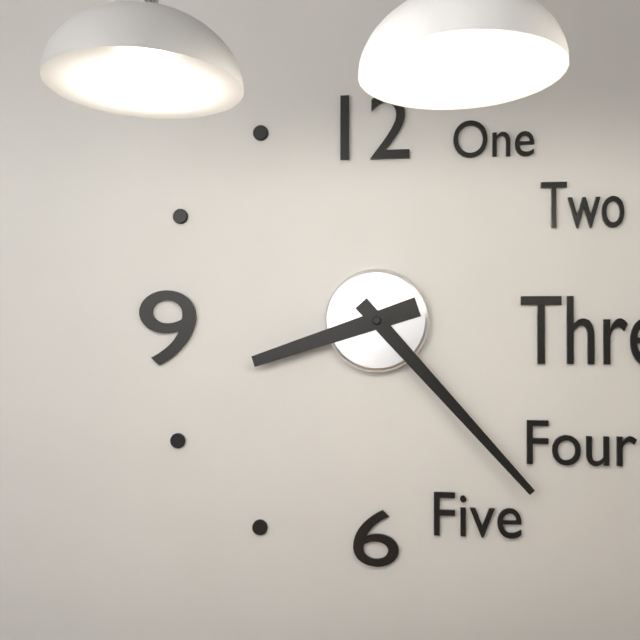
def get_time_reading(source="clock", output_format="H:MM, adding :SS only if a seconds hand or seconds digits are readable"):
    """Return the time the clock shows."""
8:23
